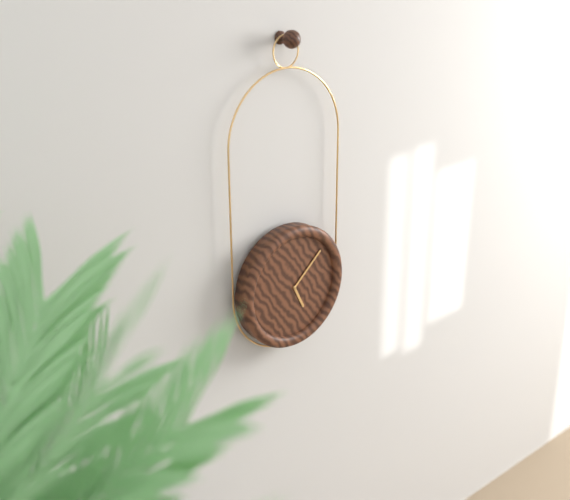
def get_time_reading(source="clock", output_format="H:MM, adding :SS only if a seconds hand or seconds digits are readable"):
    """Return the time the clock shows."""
5:08
